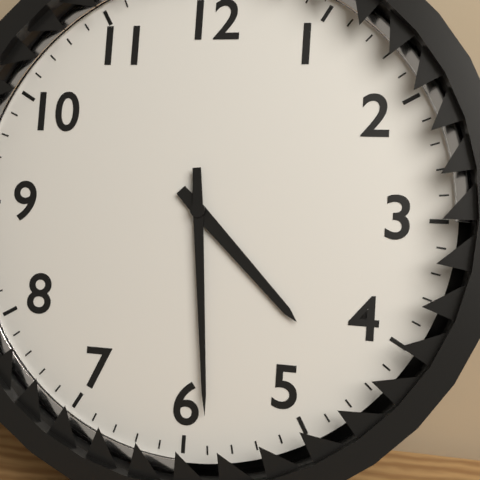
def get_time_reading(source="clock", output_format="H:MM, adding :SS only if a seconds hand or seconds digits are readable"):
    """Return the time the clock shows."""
4:29
